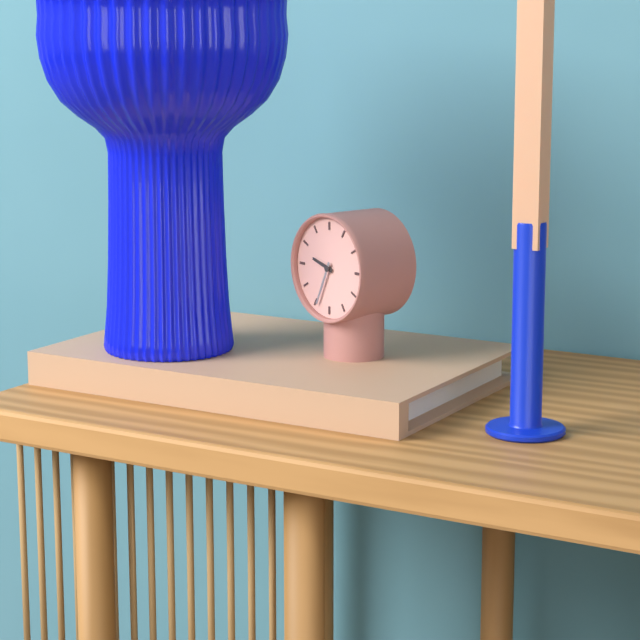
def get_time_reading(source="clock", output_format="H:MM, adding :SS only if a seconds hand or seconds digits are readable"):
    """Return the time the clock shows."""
9:34
